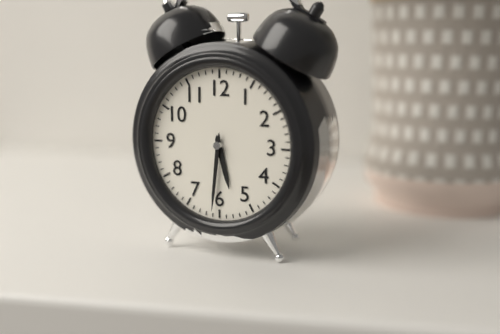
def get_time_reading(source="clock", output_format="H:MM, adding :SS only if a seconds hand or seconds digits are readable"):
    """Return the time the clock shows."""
5:31
